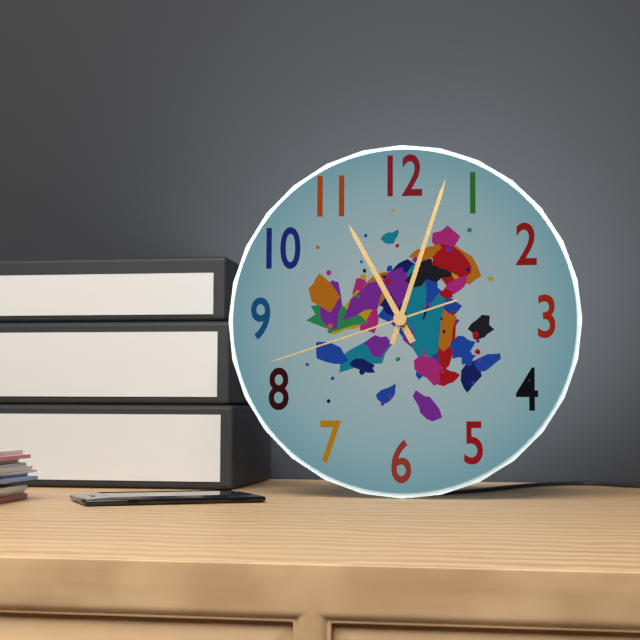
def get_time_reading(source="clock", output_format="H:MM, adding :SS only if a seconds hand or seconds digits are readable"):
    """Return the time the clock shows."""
11:03:42
